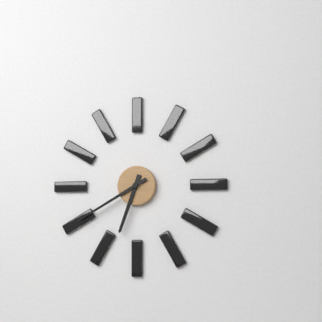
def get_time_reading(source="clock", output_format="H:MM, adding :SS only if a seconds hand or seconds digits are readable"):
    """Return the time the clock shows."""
6:40
